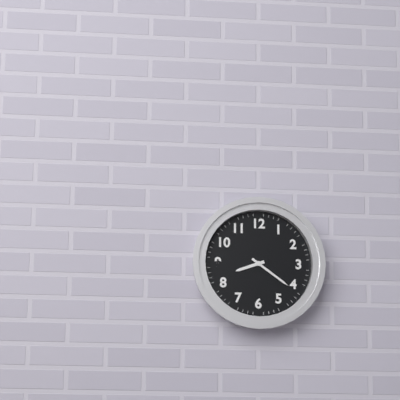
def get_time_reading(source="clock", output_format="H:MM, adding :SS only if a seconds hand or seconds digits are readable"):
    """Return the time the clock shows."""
8:21
